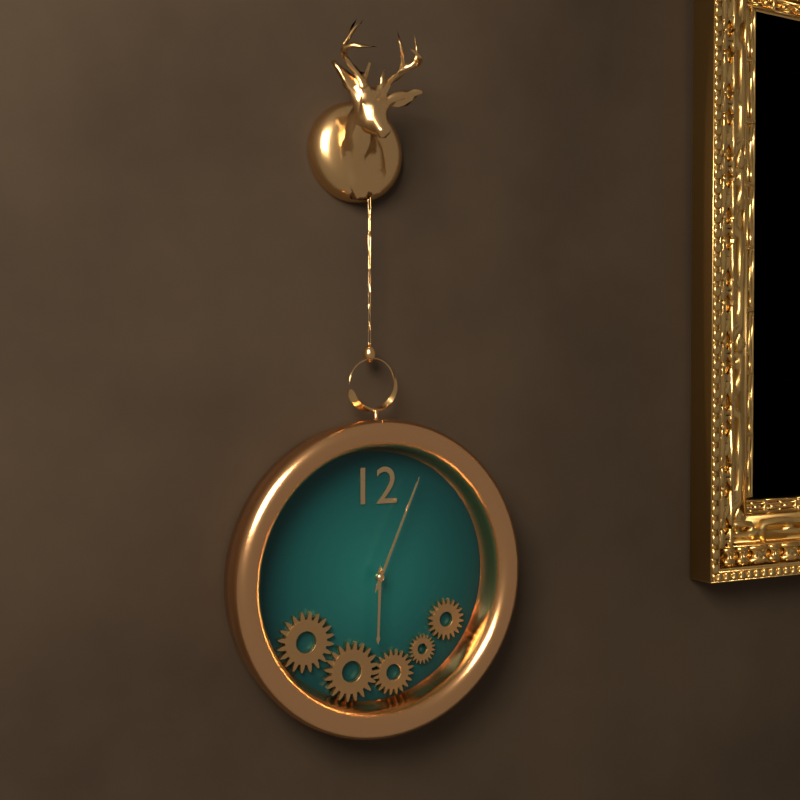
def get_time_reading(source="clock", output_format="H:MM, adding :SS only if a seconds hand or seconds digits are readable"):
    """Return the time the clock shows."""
6:04
